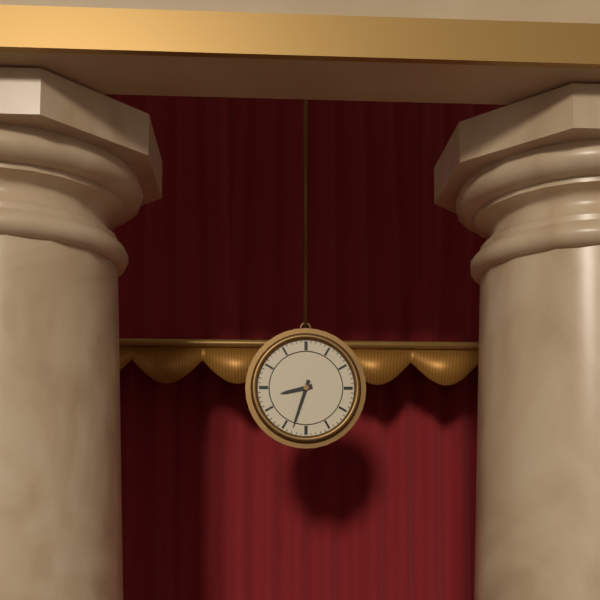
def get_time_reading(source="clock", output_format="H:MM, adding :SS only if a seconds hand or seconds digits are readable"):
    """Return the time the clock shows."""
8:33
